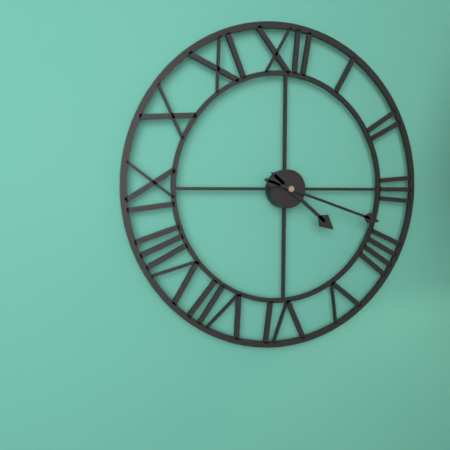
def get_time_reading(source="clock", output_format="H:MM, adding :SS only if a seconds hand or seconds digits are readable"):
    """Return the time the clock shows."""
4:18
